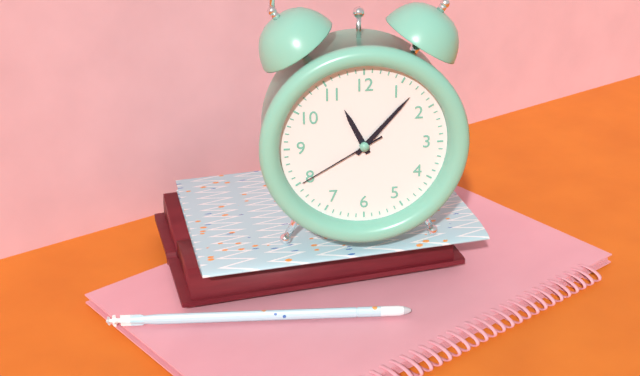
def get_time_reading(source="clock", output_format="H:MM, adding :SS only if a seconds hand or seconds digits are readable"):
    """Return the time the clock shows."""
11:07:40
